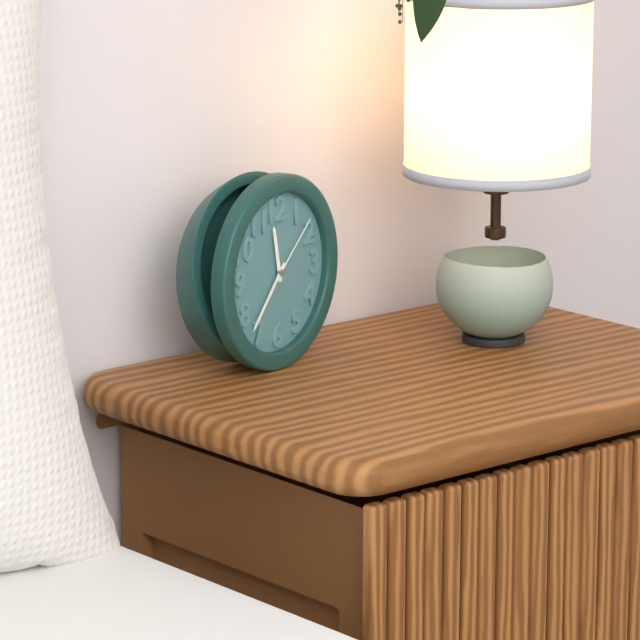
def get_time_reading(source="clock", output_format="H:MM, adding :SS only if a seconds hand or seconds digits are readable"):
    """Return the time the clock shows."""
11:37:08
